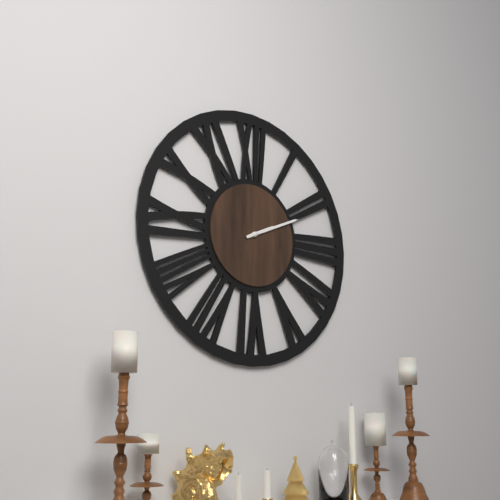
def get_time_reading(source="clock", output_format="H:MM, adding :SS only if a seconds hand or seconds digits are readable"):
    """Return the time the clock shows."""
2:11
